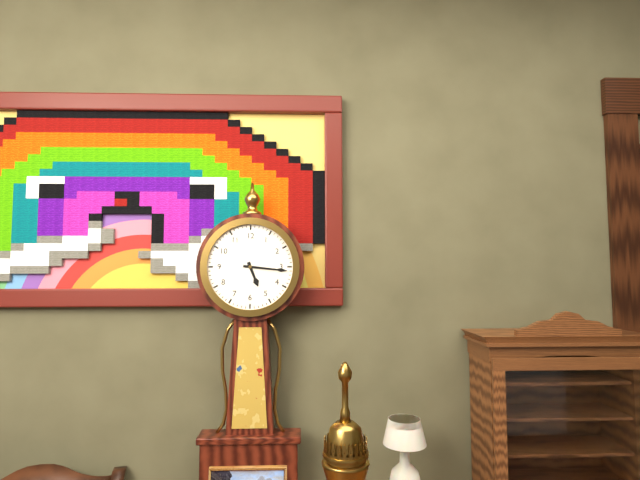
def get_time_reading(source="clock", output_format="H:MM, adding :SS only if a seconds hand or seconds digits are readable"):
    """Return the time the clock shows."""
5:16
